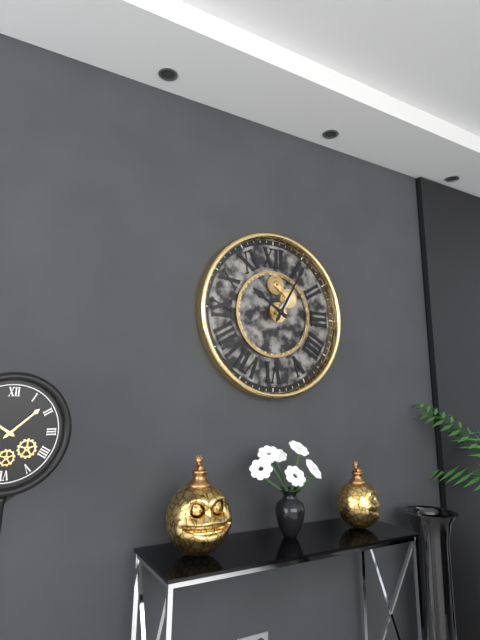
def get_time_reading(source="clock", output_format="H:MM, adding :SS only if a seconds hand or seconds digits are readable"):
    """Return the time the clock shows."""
10:05
